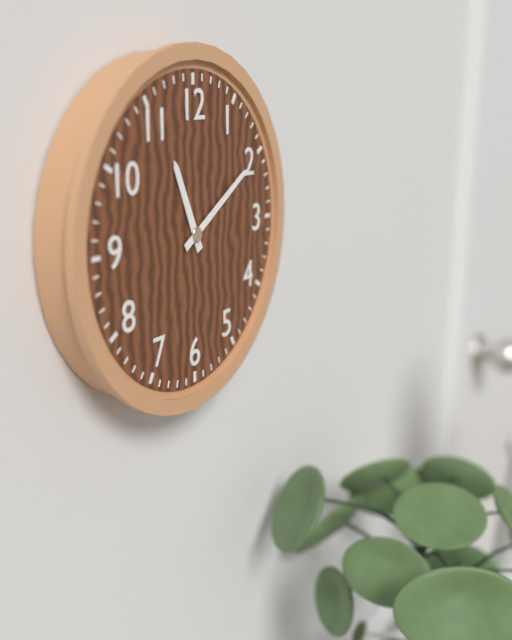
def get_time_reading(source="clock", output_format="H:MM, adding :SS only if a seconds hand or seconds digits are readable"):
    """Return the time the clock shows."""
11:10
